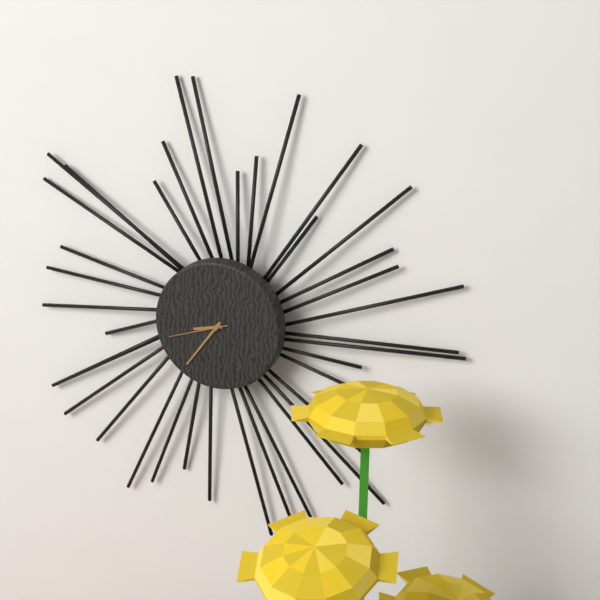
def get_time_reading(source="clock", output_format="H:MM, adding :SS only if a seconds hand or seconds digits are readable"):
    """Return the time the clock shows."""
8:36:42
